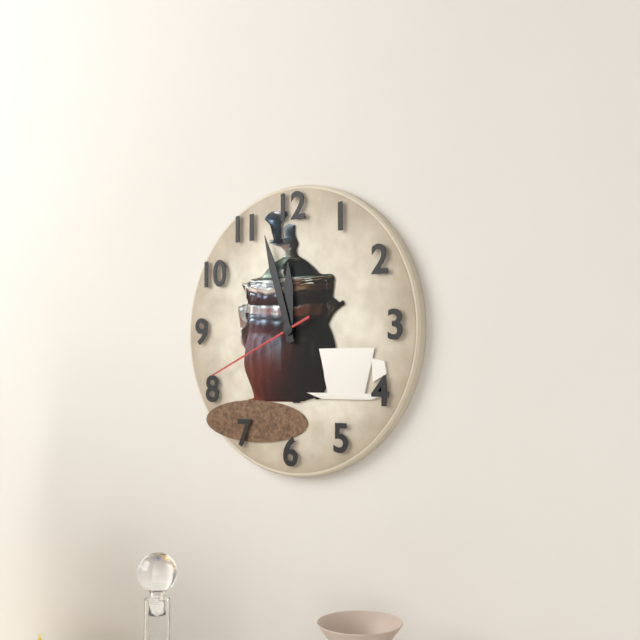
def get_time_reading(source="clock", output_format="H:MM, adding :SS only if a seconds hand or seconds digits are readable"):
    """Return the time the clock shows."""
11:57:41
